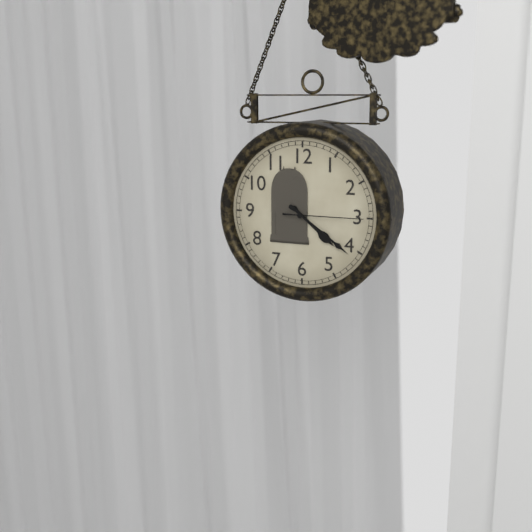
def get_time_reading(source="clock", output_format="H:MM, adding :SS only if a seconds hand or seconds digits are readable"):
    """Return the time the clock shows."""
4:21:15
